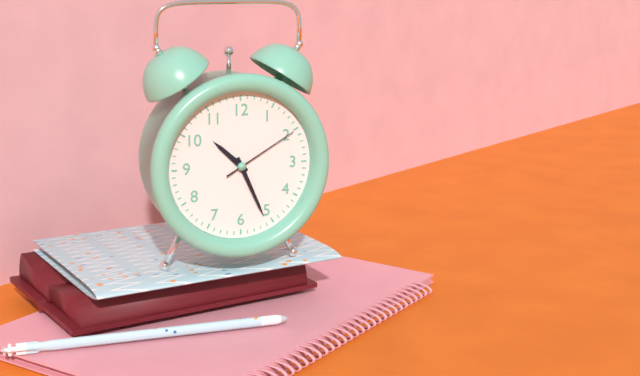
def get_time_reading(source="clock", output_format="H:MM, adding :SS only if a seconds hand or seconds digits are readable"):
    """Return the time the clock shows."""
10:26:10
